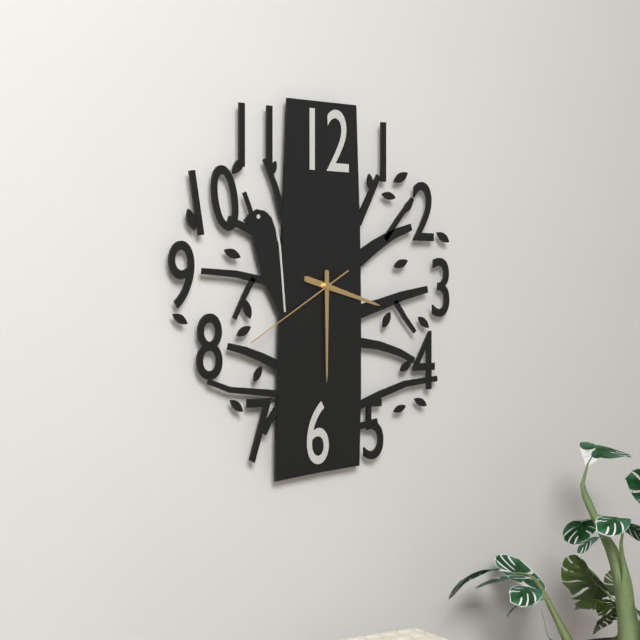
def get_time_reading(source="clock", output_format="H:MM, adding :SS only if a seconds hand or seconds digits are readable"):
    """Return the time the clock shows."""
3:30:40
